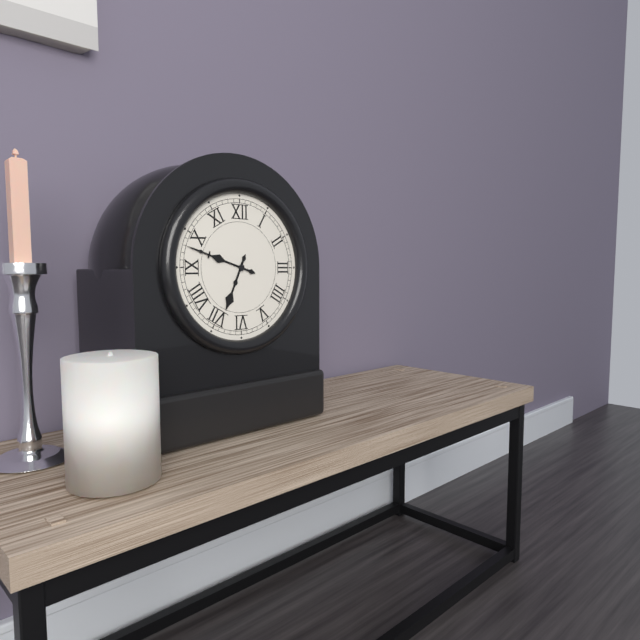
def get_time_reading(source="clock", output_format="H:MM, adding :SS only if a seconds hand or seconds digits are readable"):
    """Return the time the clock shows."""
6:48
